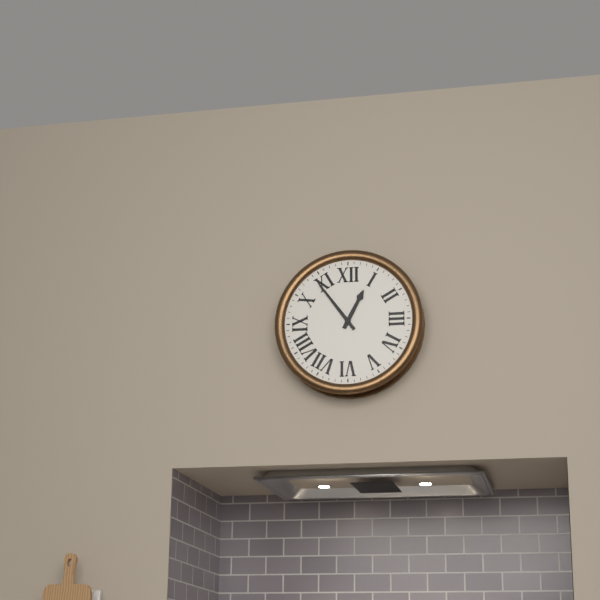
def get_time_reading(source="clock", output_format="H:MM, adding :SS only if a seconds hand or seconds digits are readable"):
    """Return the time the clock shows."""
12:54
